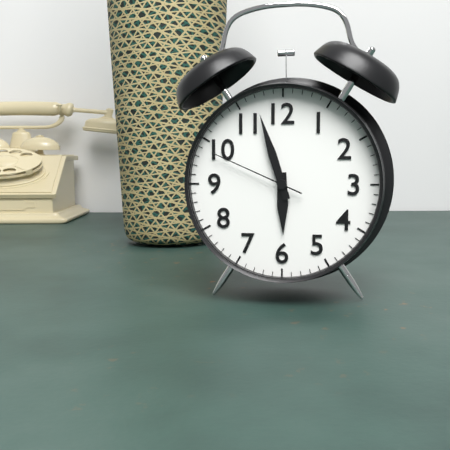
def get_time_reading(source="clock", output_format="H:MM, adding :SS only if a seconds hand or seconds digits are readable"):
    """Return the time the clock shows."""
5:57:49
